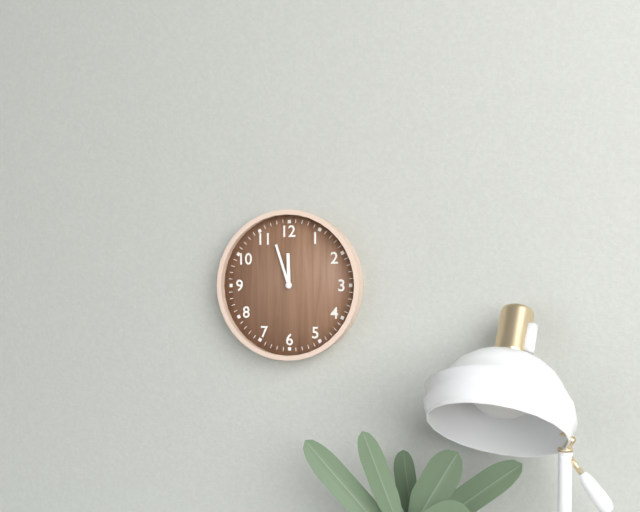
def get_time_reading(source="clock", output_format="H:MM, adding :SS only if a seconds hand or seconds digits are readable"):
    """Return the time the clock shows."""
11:57
